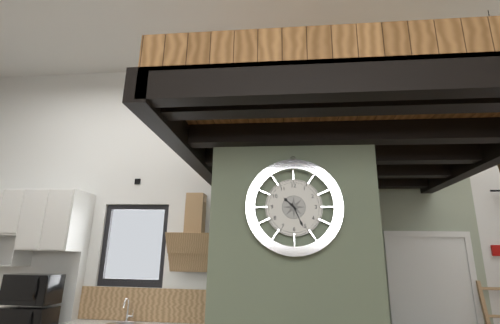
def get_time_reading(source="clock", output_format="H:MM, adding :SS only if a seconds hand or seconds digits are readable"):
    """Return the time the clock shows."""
10:26
